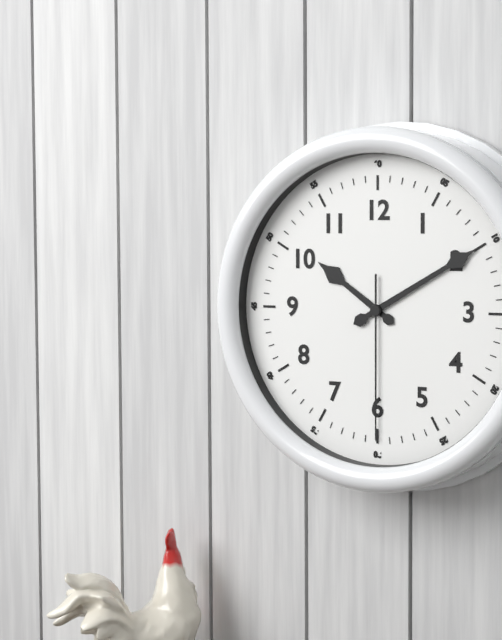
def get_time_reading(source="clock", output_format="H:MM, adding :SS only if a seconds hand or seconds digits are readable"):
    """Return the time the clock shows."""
10:10:30
